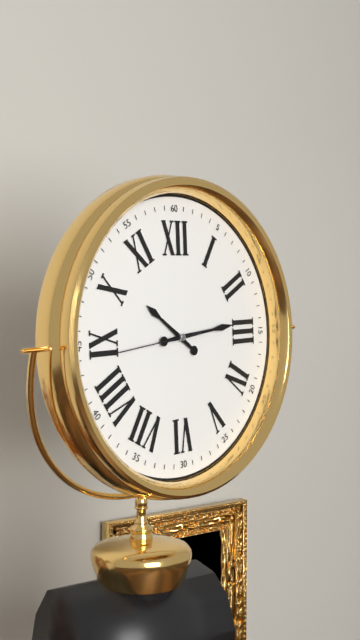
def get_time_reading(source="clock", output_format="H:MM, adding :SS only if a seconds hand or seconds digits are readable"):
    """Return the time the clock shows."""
10:14:44
